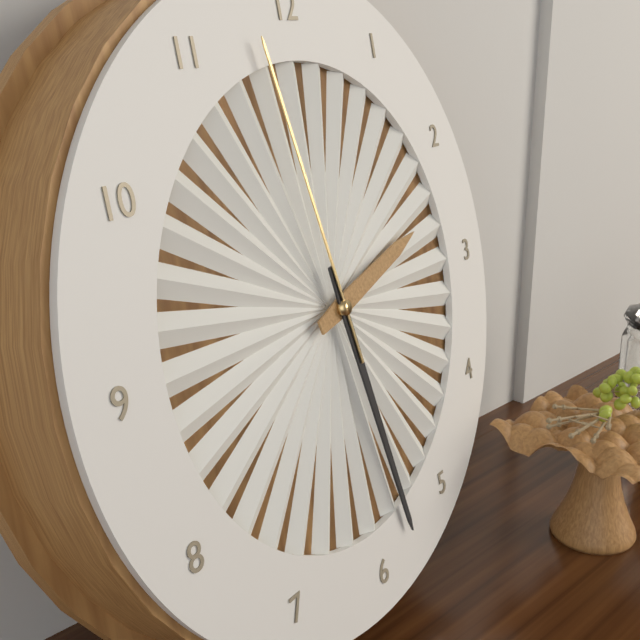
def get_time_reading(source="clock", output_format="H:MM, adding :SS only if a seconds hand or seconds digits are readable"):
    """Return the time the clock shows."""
2:28:58
